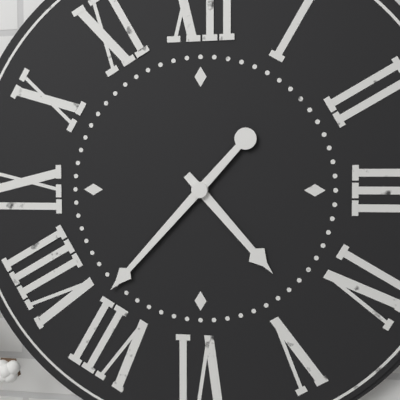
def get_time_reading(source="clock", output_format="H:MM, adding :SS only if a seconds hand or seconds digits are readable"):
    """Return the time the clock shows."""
4:37
